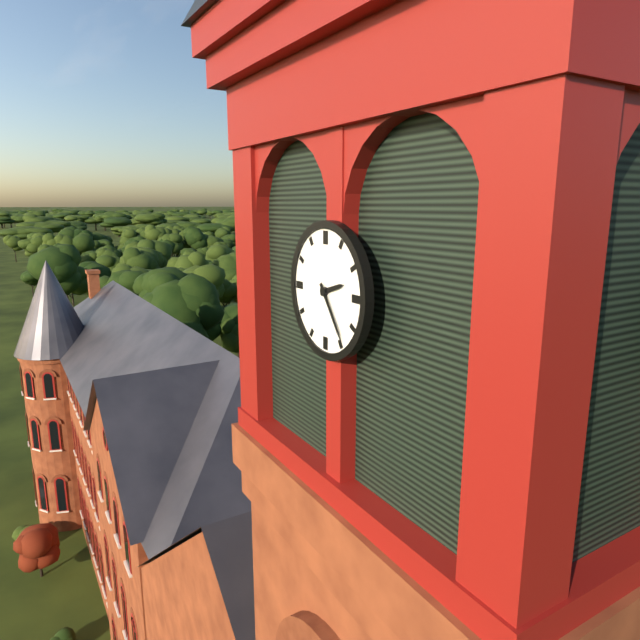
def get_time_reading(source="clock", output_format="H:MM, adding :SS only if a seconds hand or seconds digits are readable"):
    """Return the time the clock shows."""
2:24
